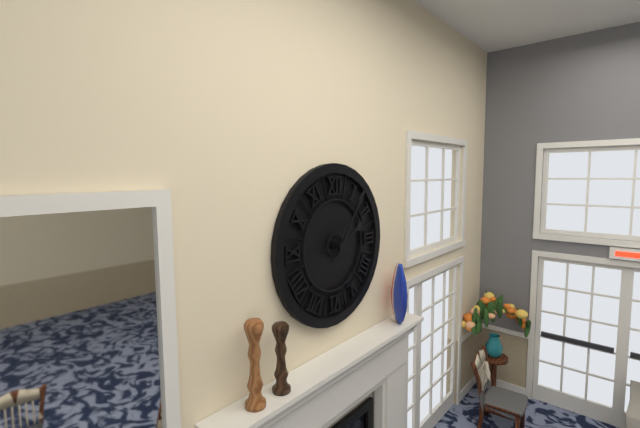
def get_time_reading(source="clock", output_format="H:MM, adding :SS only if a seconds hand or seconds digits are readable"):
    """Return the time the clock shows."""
2:06
